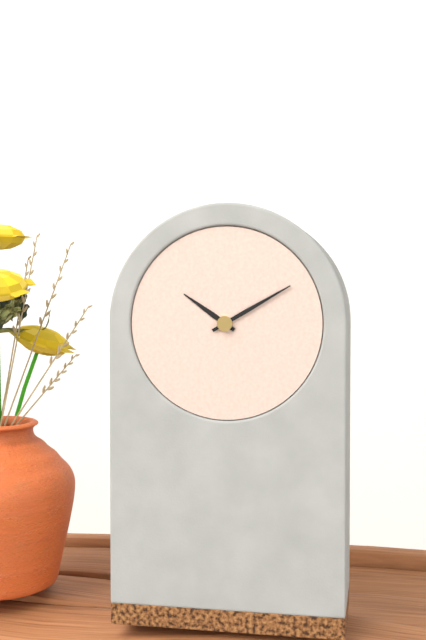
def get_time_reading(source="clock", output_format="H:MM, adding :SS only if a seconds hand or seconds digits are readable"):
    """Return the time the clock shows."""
10:10
